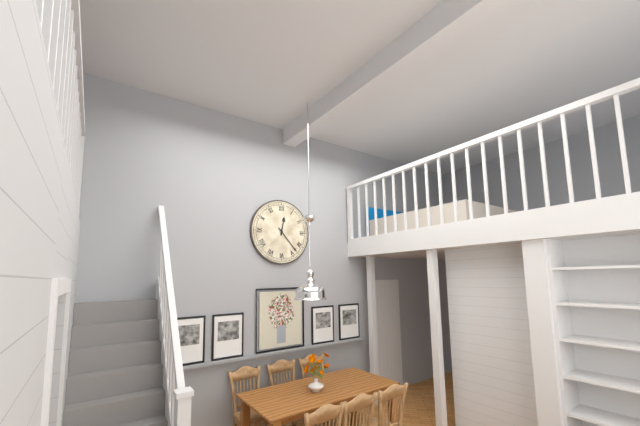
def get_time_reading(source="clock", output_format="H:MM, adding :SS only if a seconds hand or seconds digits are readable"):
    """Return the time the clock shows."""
12:23
